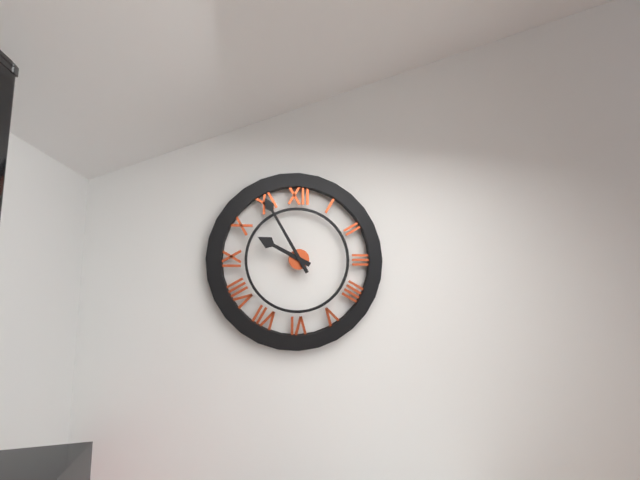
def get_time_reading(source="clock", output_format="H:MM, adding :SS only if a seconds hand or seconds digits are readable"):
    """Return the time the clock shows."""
9:55
